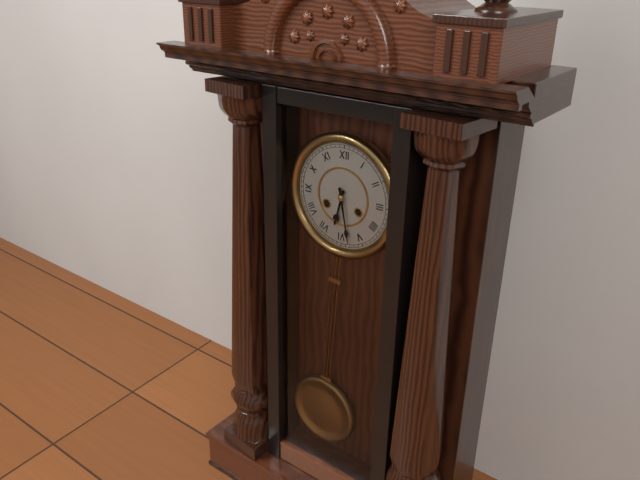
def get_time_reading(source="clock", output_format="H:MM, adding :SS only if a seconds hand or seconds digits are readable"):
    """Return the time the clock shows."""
6:28
